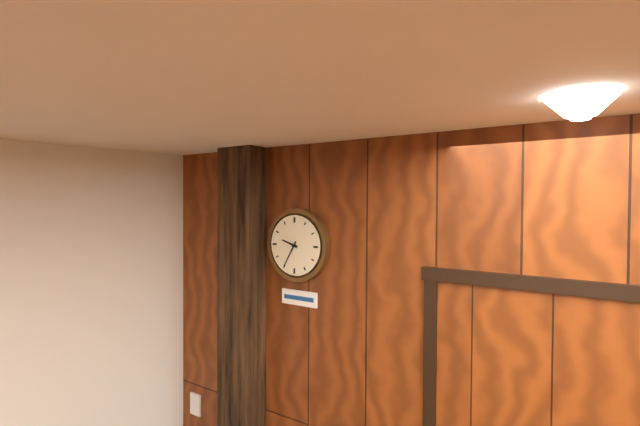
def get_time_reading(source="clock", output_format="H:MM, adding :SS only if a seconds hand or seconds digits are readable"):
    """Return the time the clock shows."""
9:35
